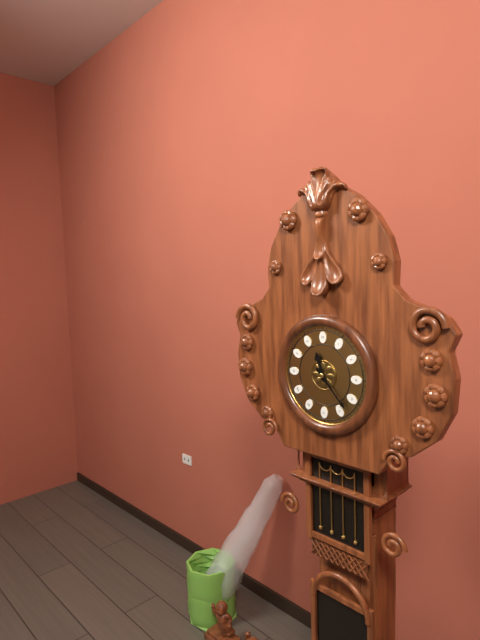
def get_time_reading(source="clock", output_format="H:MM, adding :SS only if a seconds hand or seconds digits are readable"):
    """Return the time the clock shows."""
11:23
